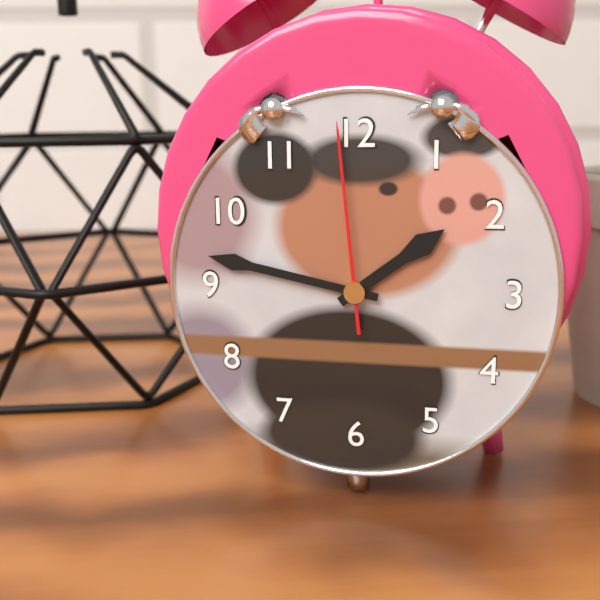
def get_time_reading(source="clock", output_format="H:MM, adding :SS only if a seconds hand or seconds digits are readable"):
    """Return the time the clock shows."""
1:47:59
